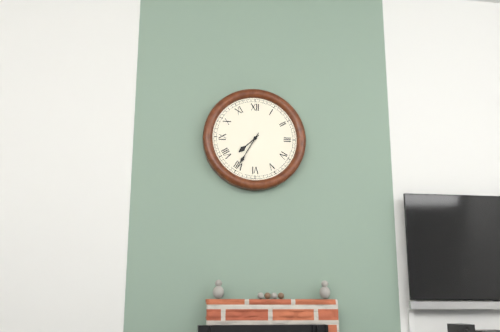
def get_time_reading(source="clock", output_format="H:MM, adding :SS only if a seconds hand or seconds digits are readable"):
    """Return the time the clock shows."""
7:35
